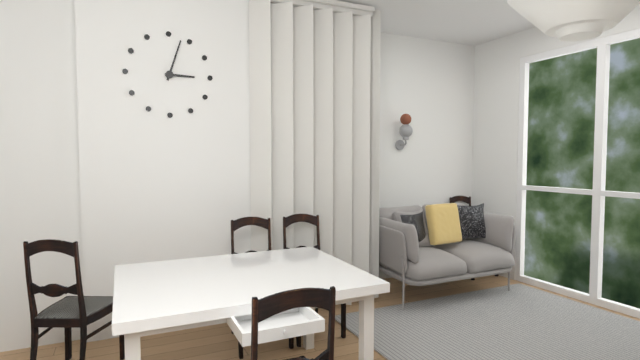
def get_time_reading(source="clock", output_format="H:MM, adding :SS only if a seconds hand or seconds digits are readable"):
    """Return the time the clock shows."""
3:03
